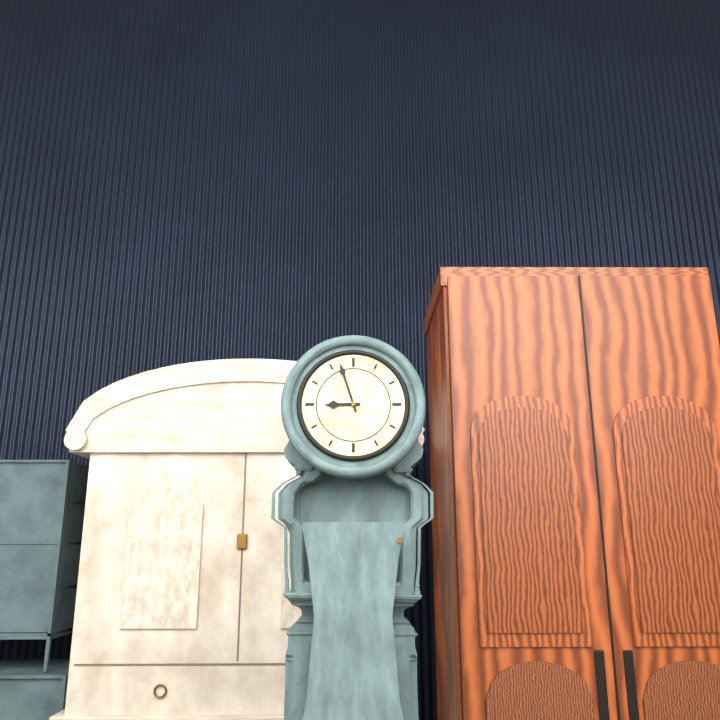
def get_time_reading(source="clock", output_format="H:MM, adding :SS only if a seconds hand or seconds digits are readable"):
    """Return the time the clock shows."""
8:57
